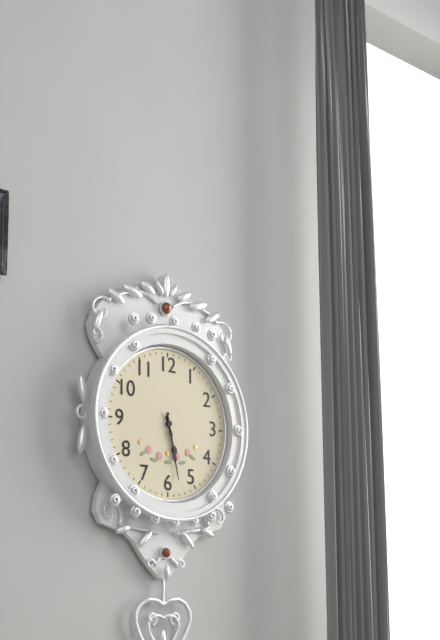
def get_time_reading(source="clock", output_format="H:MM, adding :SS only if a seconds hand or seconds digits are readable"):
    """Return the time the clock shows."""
5:28
